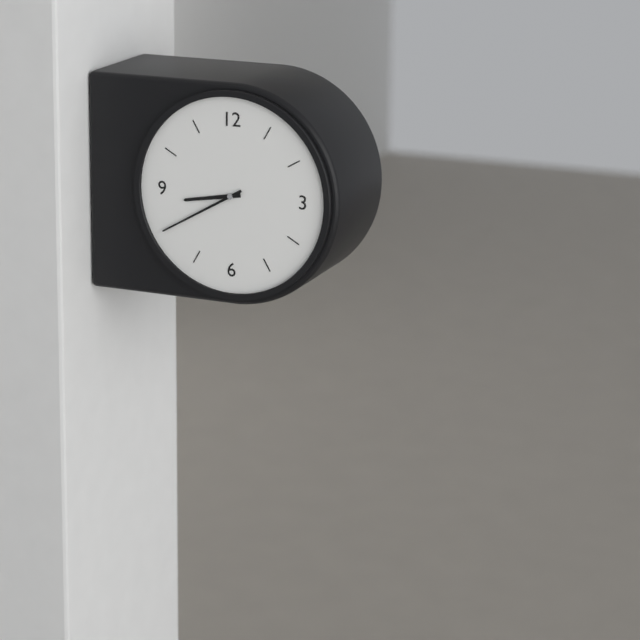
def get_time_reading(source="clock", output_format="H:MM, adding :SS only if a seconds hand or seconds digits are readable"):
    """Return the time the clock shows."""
8:40
